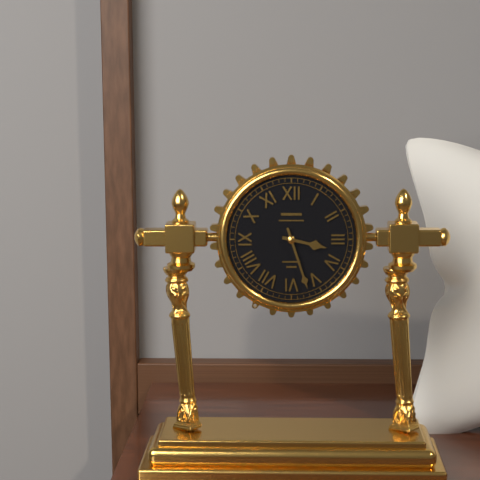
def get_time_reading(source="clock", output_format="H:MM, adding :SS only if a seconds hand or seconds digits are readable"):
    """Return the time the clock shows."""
3:27
